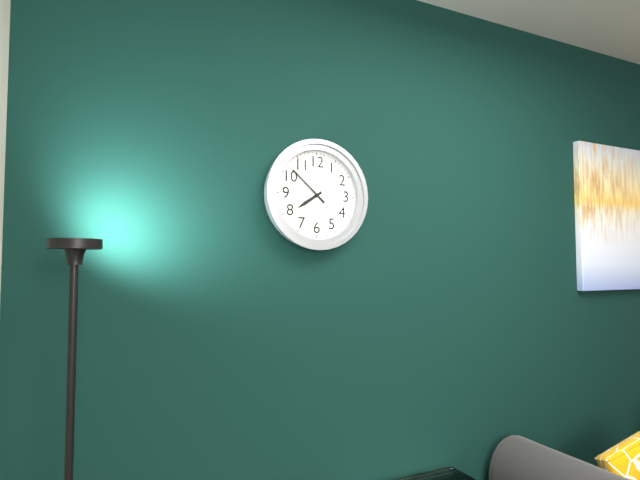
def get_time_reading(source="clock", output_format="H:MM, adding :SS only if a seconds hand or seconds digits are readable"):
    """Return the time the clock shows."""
7:52
